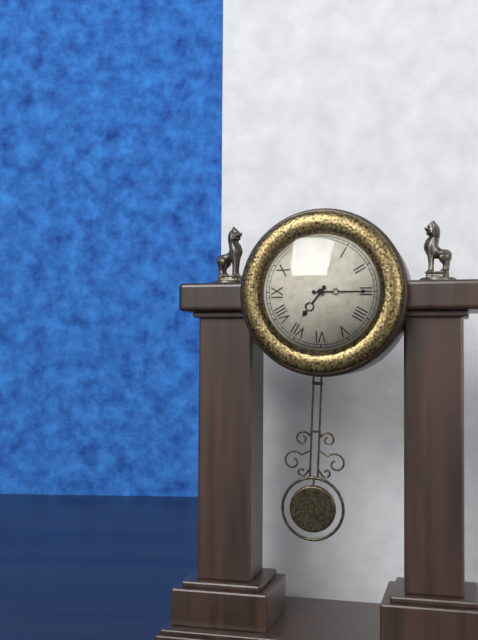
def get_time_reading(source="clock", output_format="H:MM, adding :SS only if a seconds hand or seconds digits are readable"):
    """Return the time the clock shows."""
7:15
